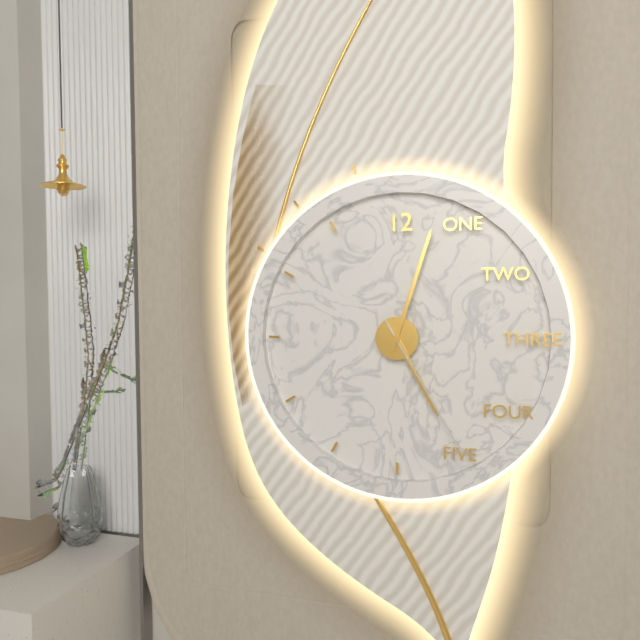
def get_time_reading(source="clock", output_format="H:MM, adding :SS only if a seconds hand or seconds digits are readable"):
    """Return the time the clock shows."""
5:03:25
